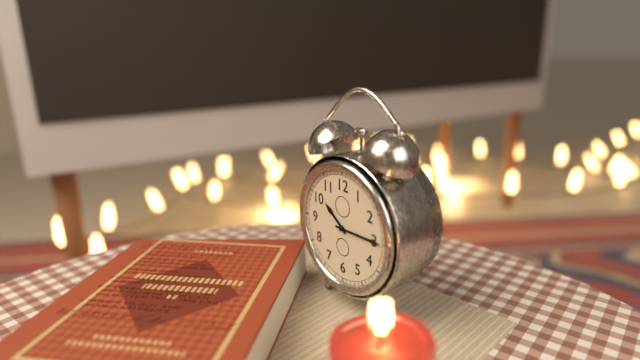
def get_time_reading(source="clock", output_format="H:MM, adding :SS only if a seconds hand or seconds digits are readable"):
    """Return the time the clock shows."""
10:15
